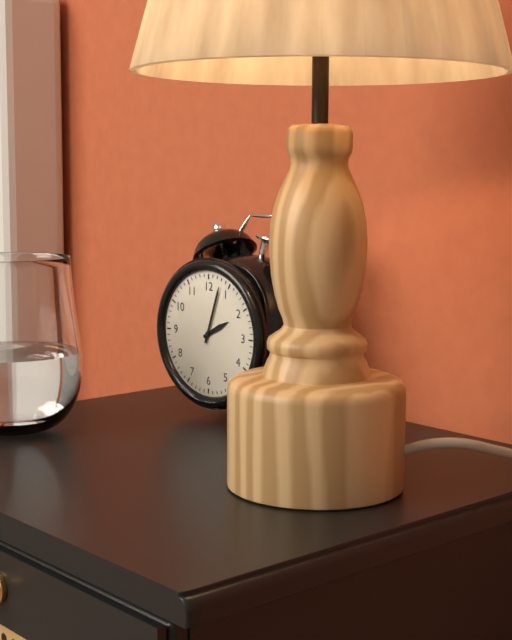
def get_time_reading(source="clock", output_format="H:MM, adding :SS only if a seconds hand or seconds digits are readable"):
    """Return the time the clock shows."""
2:03
